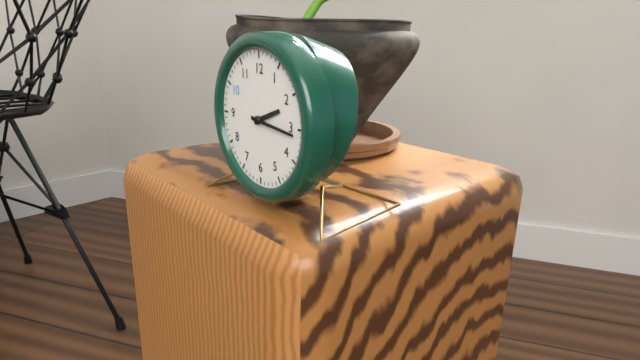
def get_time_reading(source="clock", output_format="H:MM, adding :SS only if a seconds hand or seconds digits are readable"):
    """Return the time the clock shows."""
2:16
